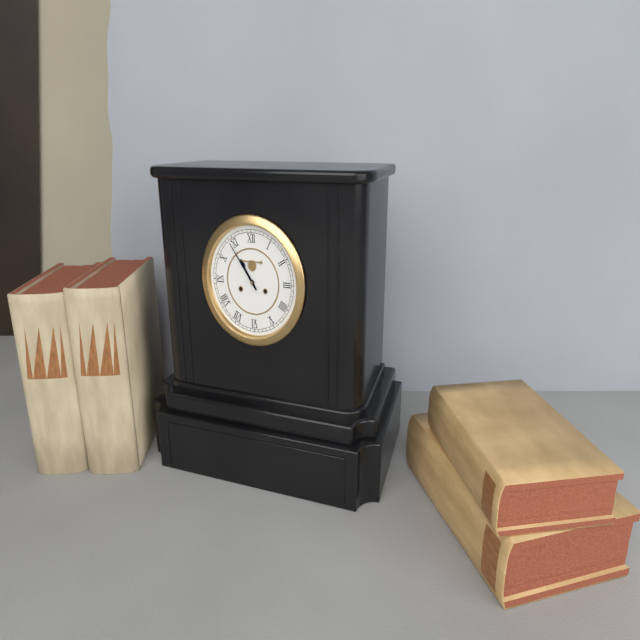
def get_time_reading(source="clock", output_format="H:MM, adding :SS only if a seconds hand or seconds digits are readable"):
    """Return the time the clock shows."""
10:54
